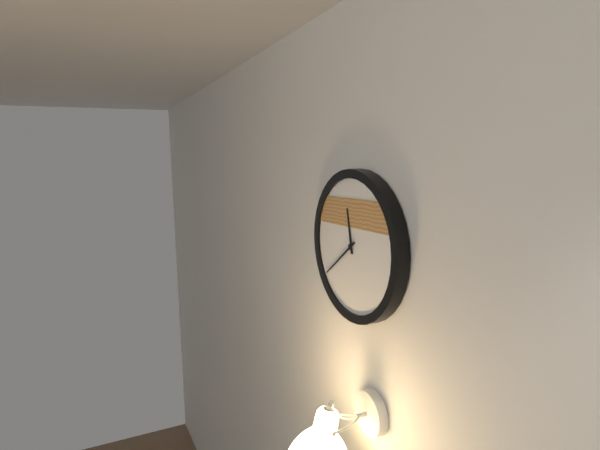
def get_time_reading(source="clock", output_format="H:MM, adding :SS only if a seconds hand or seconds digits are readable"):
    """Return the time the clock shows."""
11:39
